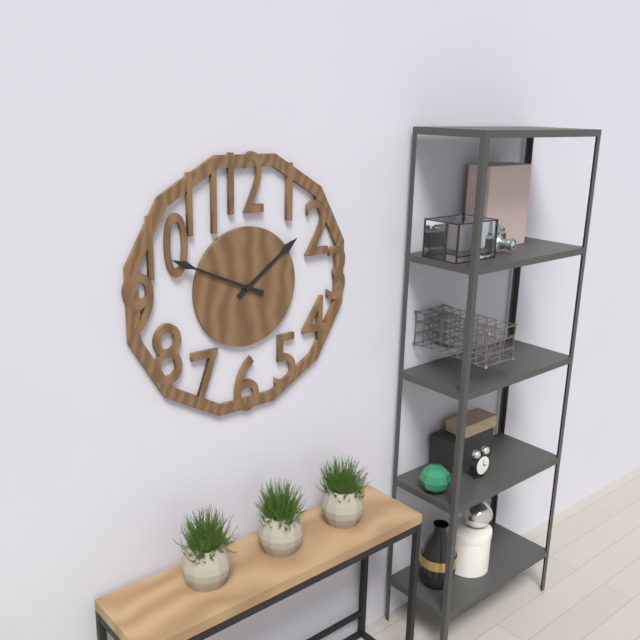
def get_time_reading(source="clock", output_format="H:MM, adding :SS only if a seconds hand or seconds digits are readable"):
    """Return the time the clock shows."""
1:49
